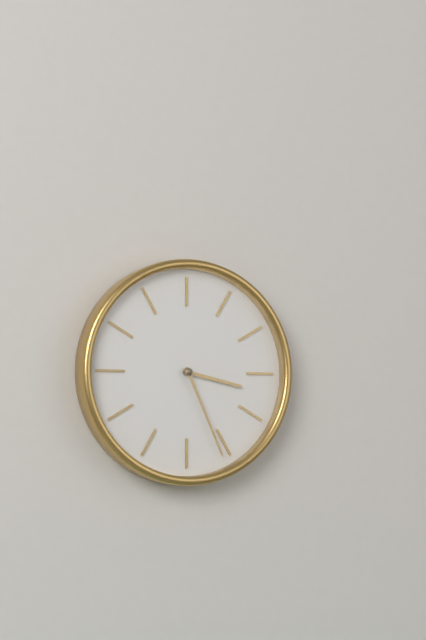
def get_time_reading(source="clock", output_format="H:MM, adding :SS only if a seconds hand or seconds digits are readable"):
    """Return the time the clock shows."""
3:26
